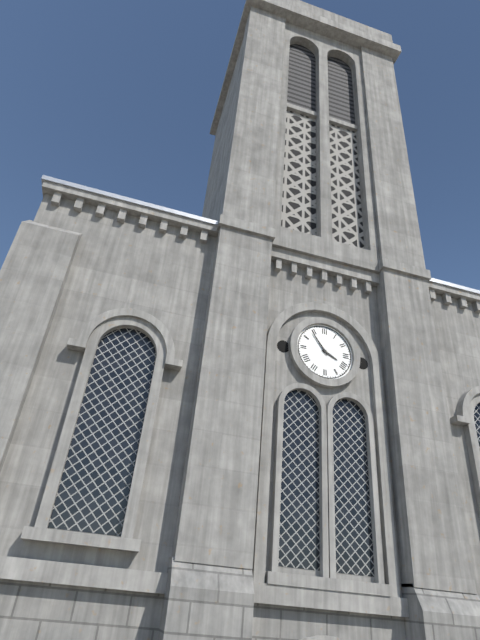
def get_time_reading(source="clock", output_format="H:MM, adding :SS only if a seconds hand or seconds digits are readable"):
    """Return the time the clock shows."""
3:54
